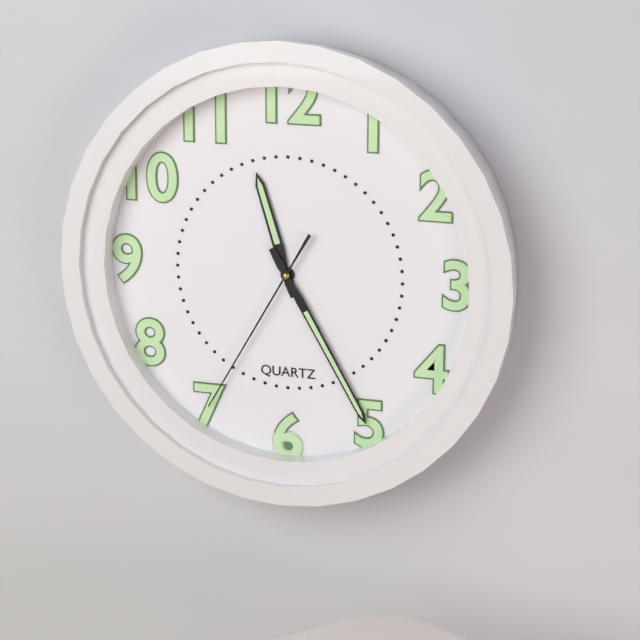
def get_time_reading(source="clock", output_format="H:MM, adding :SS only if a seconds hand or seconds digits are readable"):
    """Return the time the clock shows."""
11:25:35
